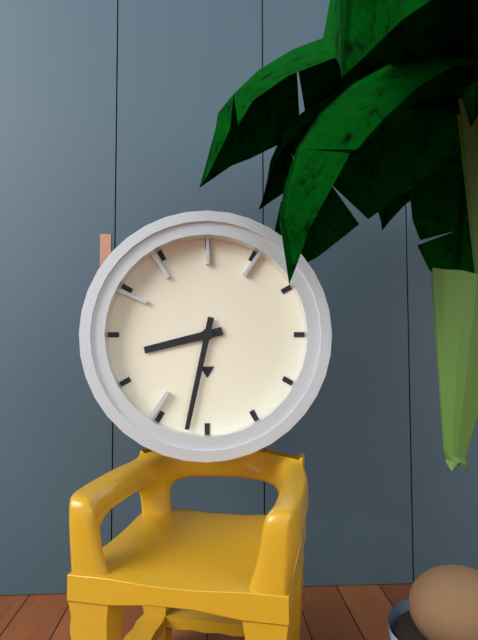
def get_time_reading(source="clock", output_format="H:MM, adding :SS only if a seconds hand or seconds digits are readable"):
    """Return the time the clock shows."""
8:32
